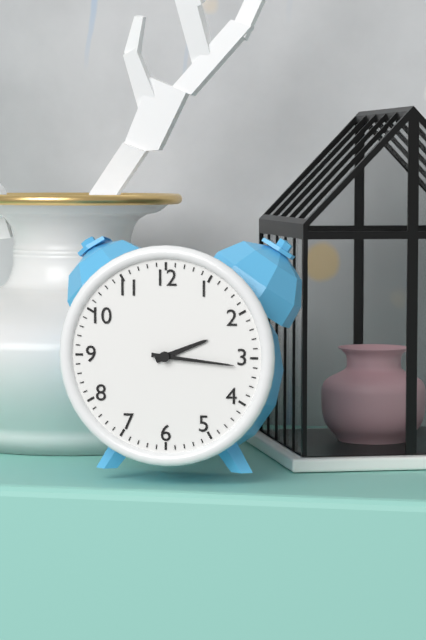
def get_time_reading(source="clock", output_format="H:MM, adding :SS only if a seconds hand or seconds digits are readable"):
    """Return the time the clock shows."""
2:16
